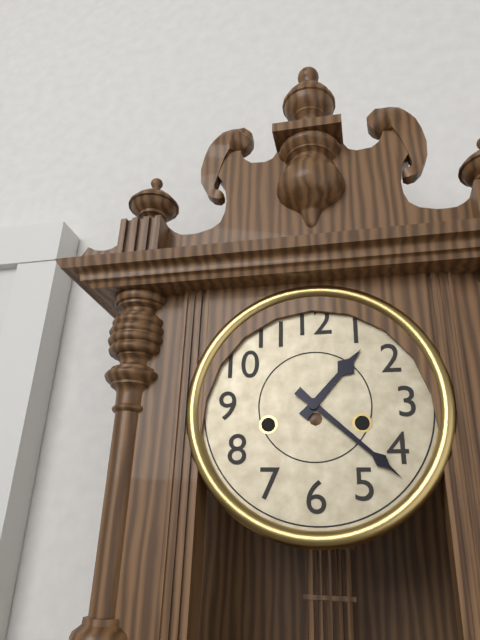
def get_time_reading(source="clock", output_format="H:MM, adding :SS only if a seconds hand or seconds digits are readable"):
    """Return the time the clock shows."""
1:22
